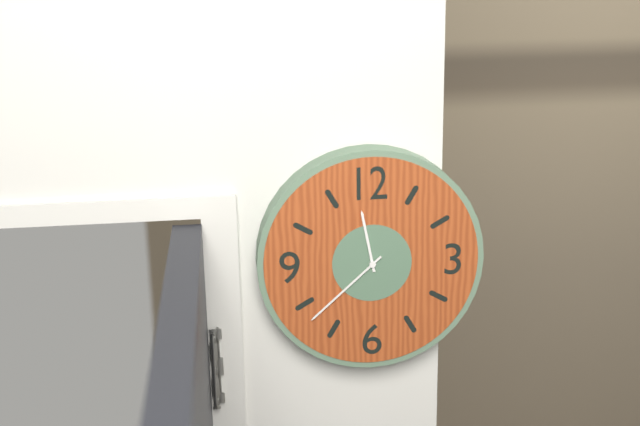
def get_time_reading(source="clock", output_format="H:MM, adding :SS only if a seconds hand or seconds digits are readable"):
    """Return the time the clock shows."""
11:38
